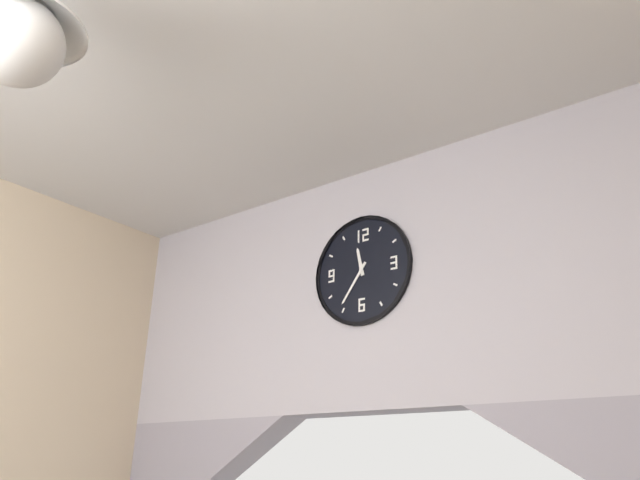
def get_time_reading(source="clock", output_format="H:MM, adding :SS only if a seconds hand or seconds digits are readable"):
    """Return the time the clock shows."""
11:36
